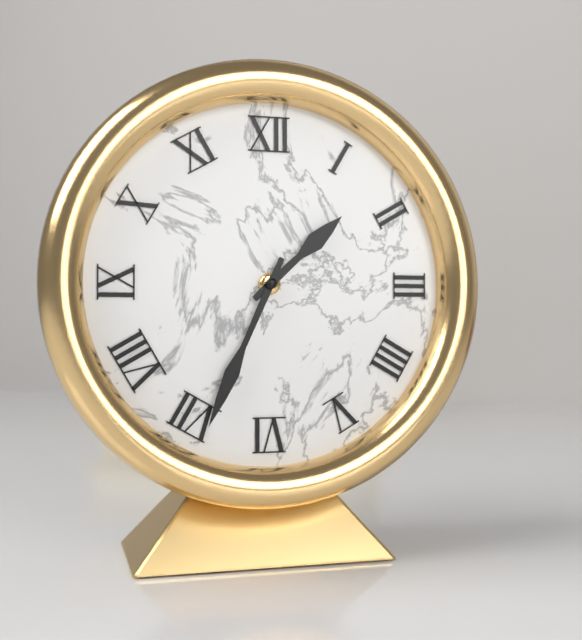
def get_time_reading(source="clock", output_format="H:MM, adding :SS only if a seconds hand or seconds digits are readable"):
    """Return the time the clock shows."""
1:34
